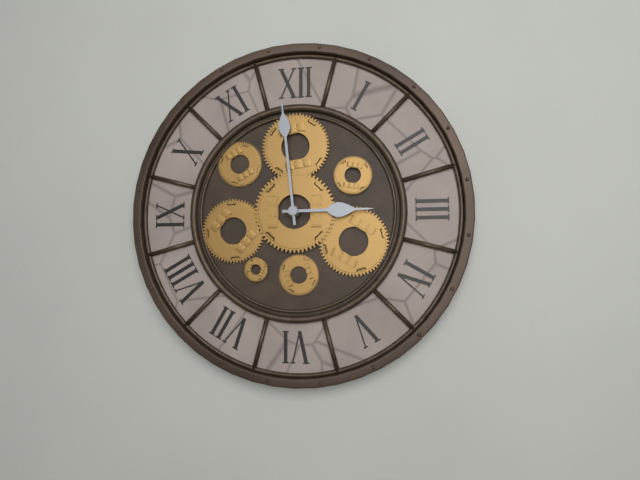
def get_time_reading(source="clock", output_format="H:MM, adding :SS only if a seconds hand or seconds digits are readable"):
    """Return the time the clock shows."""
2:59
